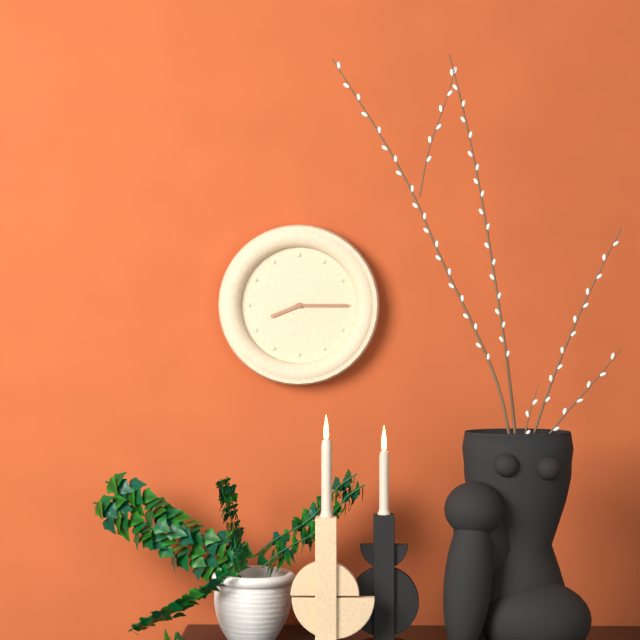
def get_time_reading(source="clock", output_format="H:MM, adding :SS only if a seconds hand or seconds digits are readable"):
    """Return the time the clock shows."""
8:15
